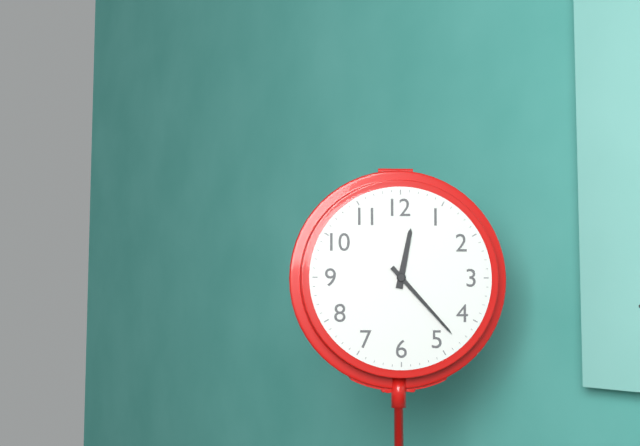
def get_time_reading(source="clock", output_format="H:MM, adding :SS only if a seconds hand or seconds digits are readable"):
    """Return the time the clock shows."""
12:23
